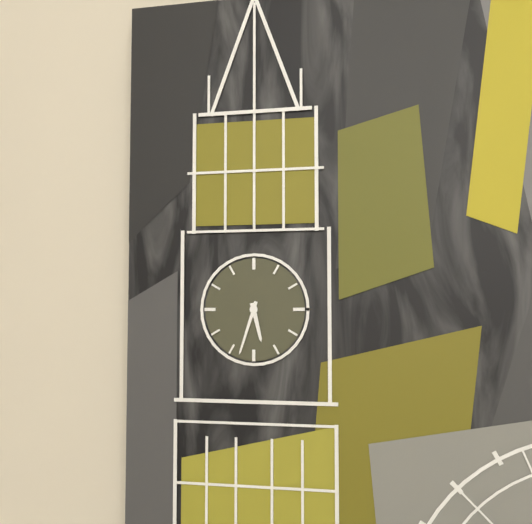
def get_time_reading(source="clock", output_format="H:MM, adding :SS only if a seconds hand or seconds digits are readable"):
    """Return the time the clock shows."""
5:33
